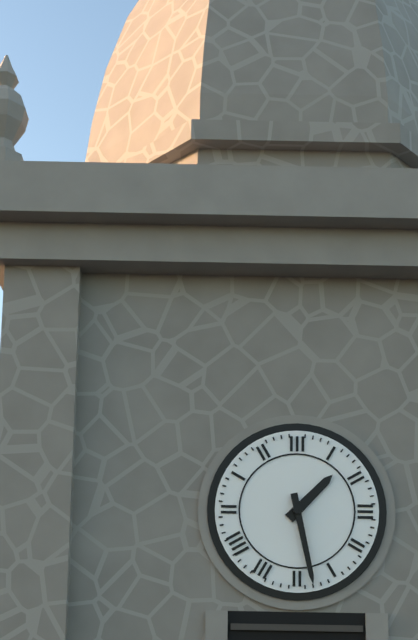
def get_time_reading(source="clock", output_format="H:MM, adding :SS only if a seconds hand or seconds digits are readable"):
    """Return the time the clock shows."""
1:28
